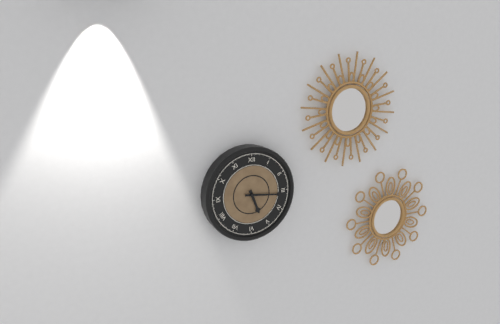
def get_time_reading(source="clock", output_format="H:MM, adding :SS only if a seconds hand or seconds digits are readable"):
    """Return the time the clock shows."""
5:16
